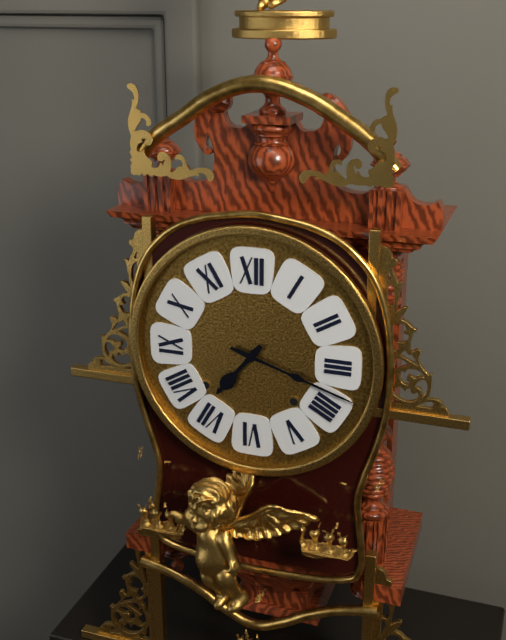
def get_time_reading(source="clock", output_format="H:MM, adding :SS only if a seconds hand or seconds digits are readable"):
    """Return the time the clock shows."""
7:18
